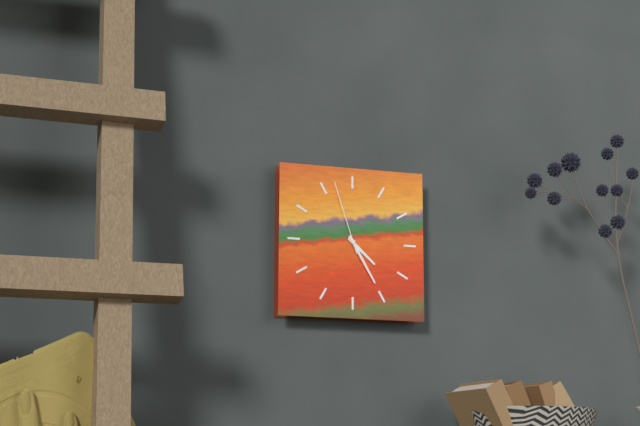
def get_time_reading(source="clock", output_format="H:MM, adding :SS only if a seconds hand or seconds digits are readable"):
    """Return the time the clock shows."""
4:25:57
